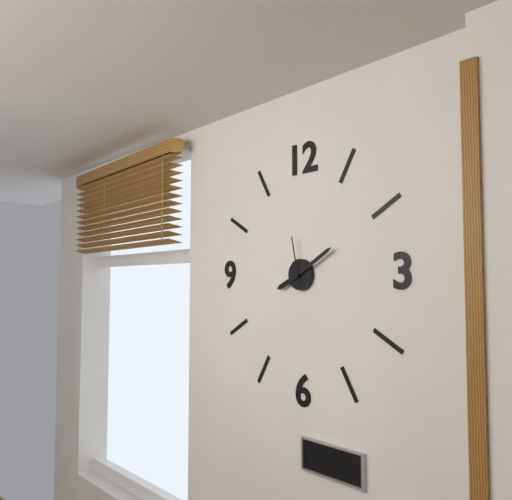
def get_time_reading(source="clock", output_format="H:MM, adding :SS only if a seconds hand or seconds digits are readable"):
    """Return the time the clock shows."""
8:10
